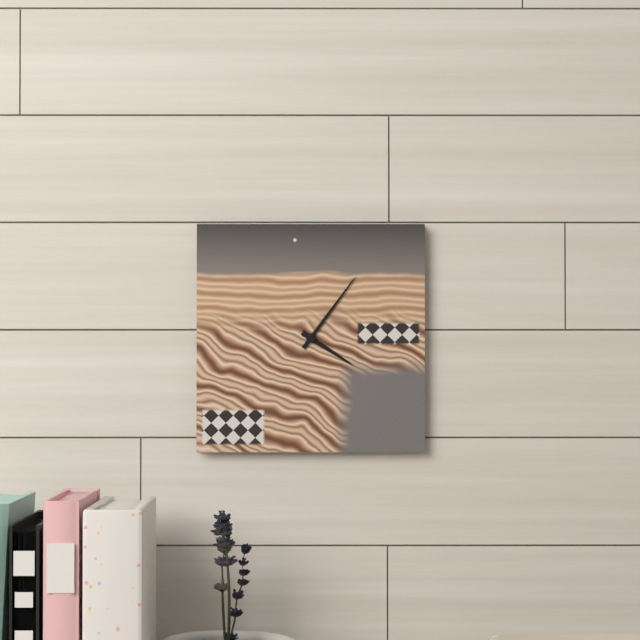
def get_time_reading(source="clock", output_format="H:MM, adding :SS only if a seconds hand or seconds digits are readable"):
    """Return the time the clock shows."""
4:06
